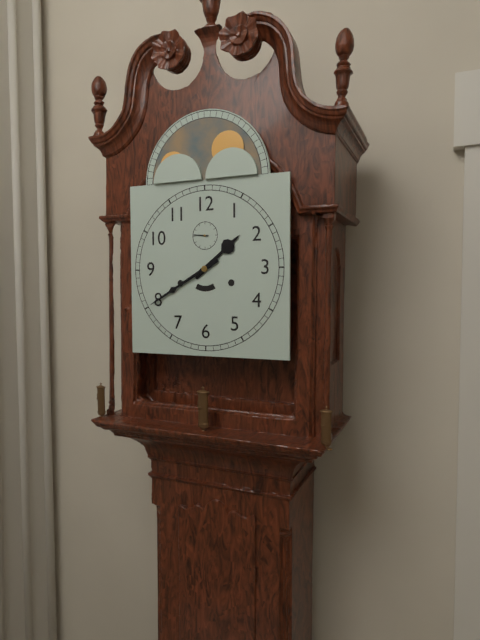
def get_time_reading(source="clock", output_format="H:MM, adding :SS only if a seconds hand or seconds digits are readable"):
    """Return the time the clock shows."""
1:40
